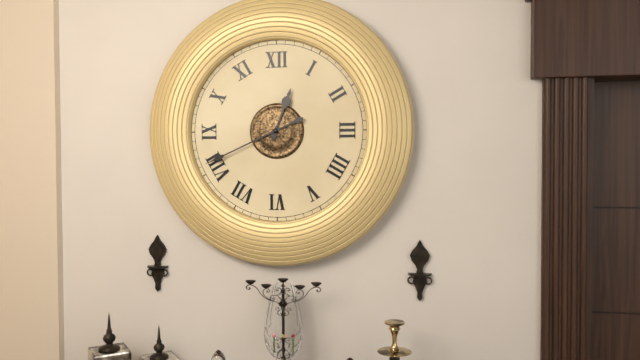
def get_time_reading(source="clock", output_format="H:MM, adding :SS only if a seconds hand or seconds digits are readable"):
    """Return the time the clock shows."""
12:41
